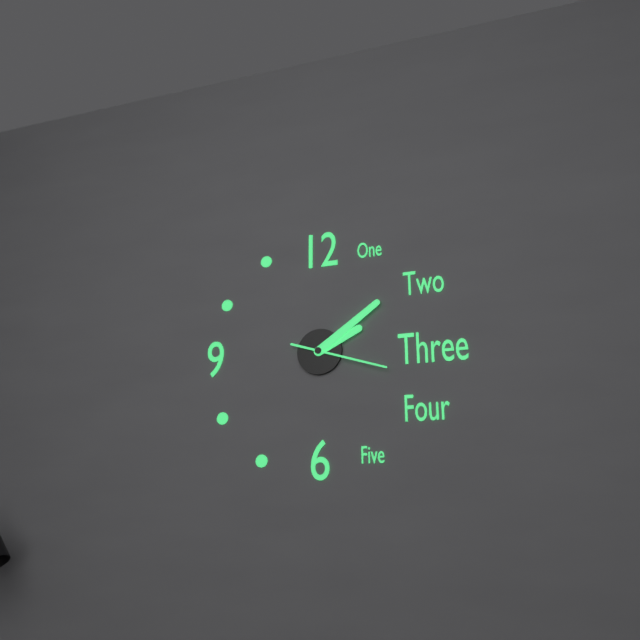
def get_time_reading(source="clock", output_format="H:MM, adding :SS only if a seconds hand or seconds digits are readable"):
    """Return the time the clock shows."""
2:09:18
